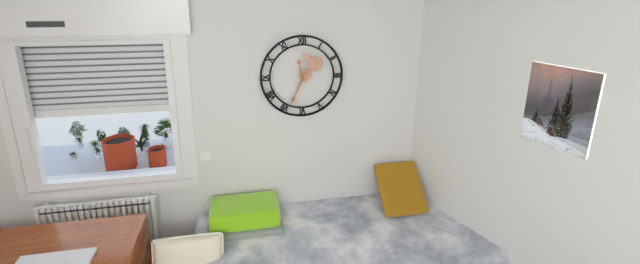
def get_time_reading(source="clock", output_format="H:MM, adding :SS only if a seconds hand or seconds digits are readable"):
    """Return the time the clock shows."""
11:34
